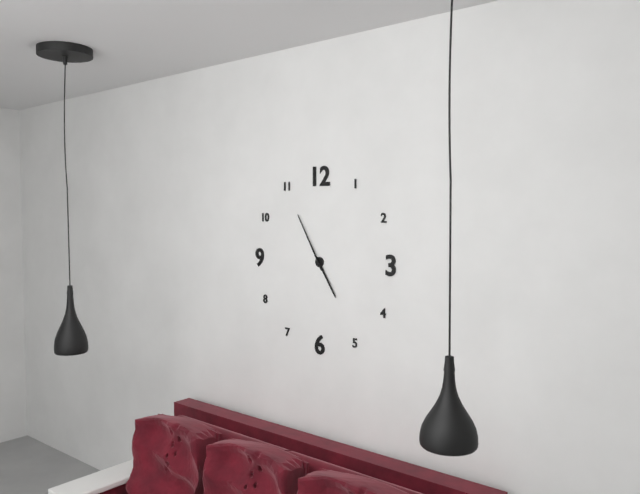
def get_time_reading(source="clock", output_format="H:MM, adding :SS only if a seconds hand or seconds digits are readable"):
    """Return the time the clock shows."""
4:55
